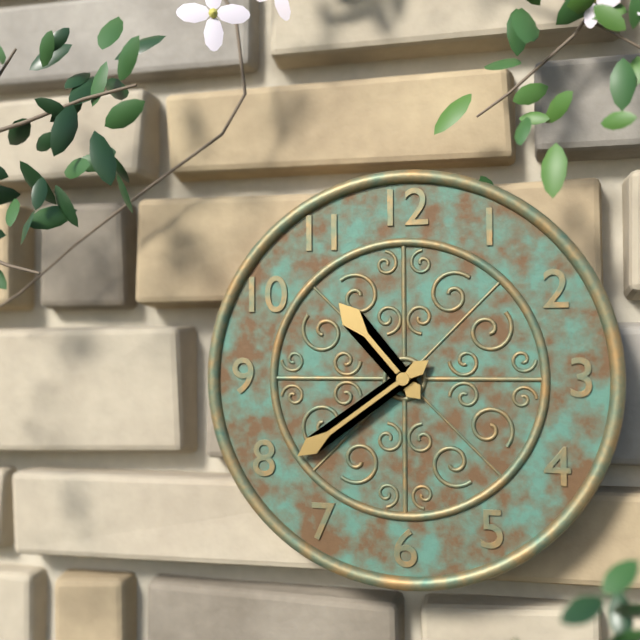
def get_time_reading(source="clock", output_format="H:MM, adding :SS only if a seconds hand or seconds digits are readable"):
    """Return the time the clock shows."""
10:39
